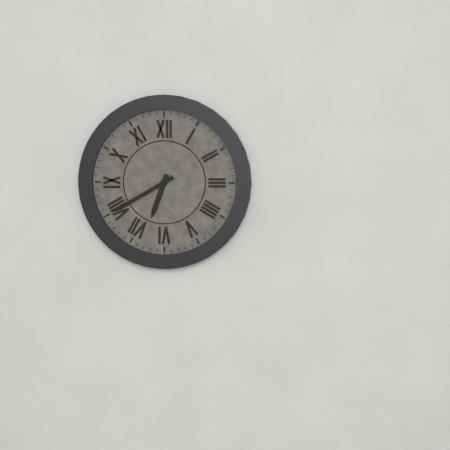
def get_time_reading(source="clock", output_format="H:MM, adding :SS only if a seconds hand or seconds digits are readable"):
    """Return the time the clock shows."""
6:40
